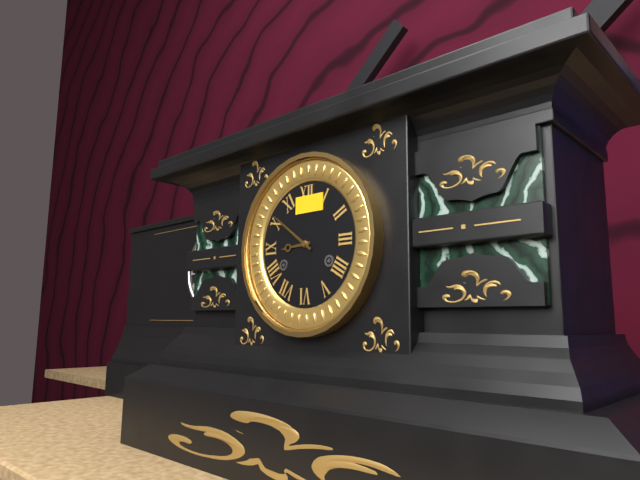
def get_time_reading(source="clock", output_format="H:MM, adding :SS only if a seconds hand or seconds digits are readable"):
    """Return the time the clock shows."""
8:51
